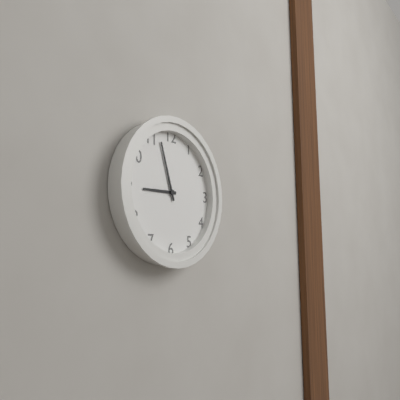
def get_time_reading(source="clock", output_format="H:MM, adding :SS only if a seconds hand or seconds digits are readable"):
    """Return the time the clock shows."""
8:57
